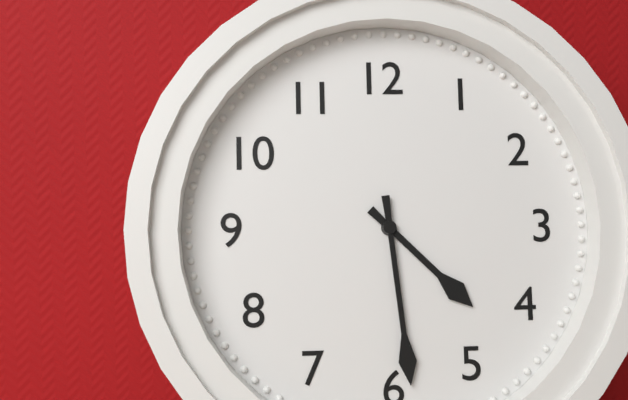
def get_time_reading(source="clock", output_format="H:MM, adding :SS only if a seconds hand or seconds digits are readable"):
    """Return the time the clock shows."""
4:29
